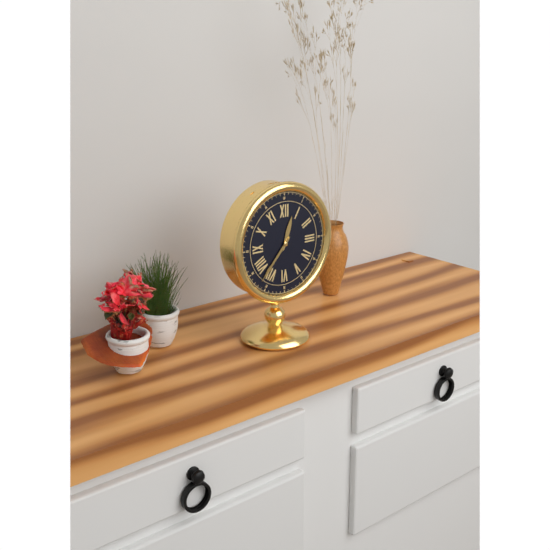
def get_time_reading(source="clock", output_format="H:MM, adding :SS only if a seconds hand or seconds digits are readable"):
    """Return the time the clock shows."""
12:37
